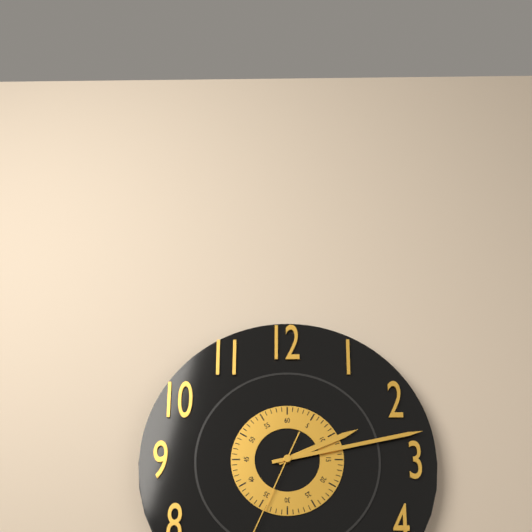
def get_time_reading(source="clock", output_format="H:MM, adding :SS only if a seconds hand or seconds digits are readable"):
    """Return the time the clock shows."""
2:13
